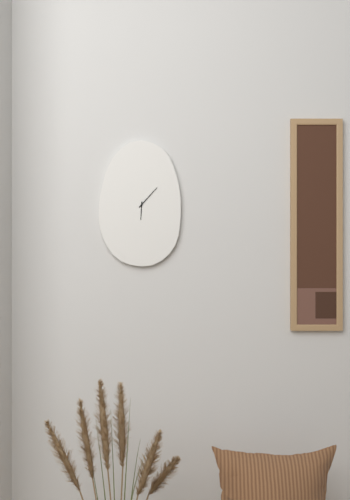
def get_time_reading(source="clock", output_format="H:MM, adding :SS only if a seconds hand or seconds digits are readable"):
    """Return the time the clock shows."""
6:07
